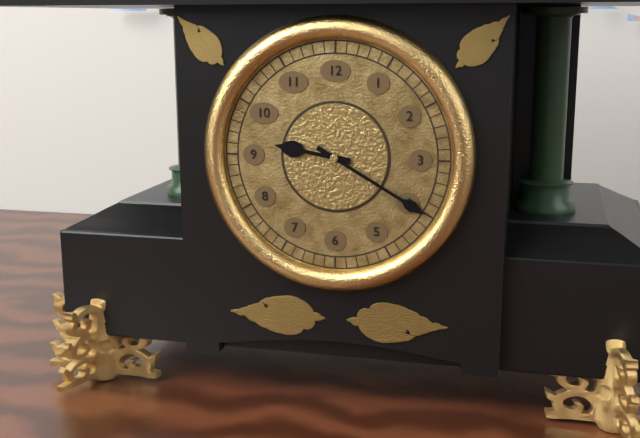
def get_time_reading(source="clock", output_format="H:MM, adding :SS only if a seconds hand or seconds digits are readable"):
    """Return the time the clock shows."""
9:20
